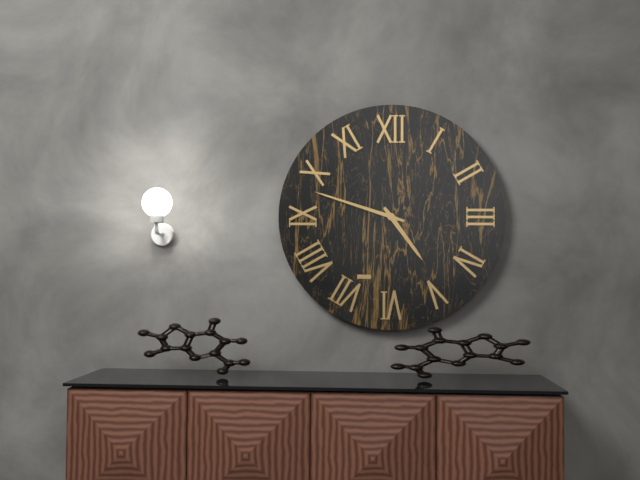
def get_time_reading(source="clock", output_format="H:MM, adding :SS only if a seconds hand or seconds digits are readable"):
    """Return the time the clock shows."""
4:48
